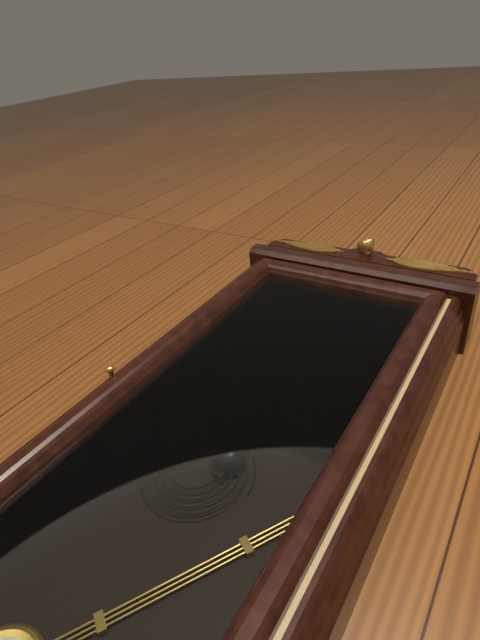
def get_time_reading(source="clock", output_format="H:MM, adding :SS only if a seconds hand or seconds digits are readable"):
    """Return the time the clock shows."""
9:11
